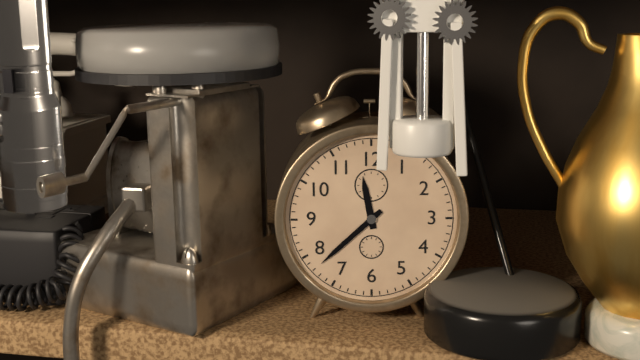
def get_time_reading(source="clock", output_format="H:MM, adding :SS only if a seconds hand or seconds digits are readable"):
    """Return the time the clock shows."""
11:38
